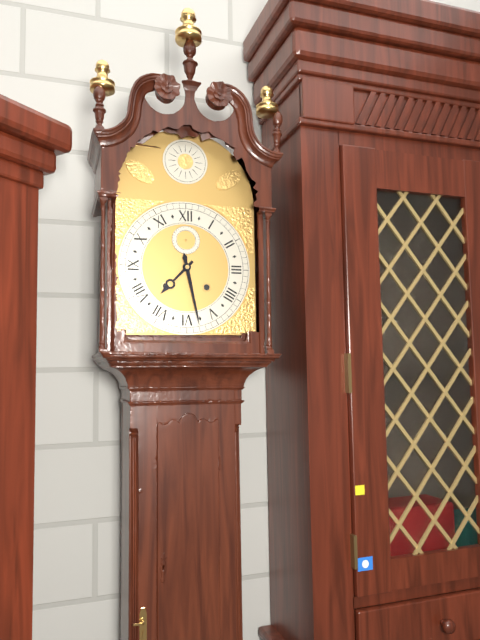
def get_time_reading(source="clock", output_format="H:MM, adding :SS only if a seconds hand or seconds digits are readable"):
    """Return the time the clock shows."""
7:28
